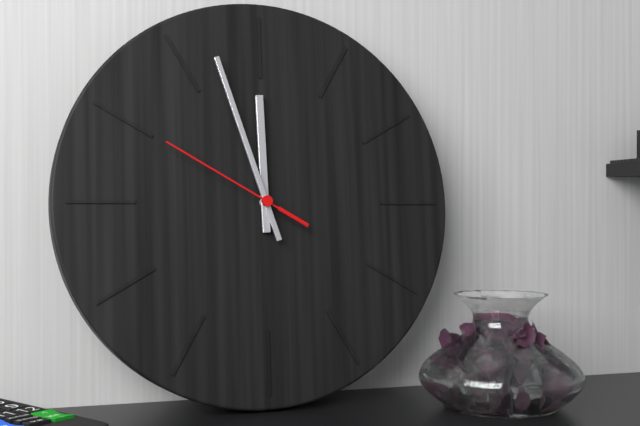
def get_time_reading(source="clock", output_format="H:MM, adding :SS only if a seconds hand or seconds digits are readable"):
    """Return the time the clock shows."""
11:57:50
